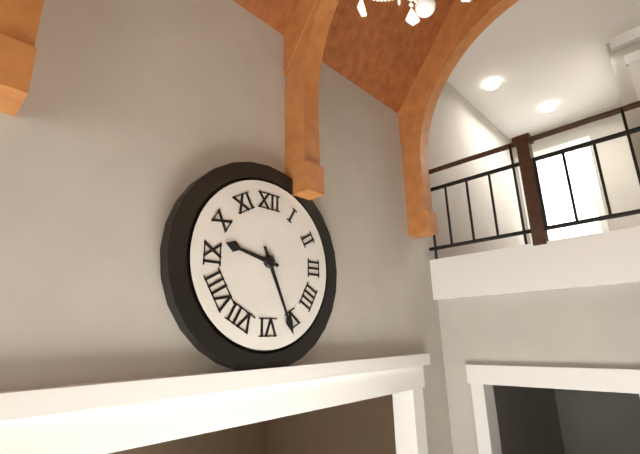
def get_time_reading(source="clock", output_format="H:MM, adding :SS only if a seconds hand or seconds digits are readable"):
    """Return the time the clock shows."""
9:26
